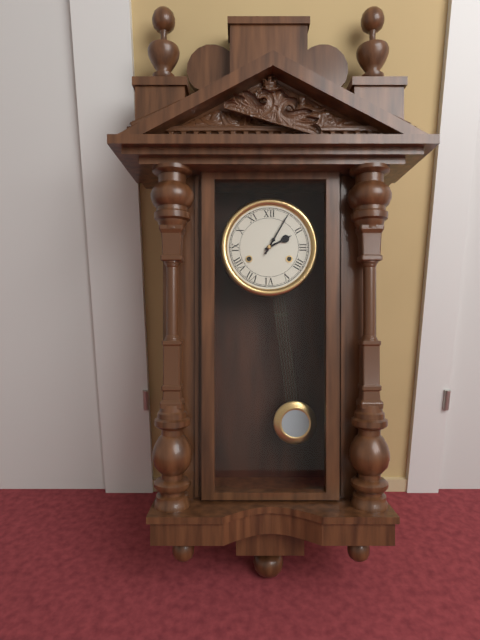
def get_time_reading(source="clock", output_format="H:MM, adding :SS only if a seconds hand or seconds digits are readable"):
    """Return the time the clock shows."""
2:05
